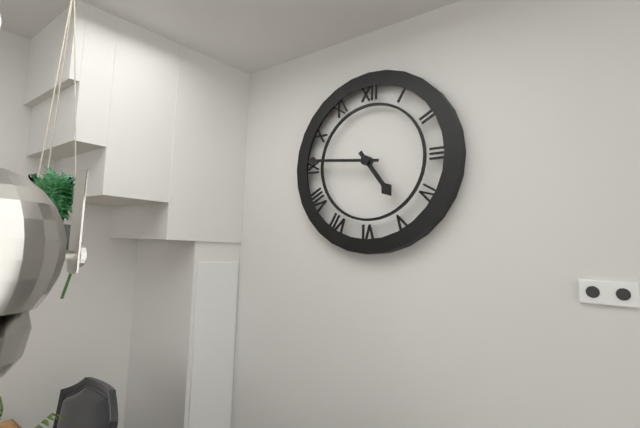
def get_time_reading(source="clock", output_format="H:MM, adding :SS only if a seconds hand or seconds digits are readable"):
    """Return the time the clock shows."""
4:46
